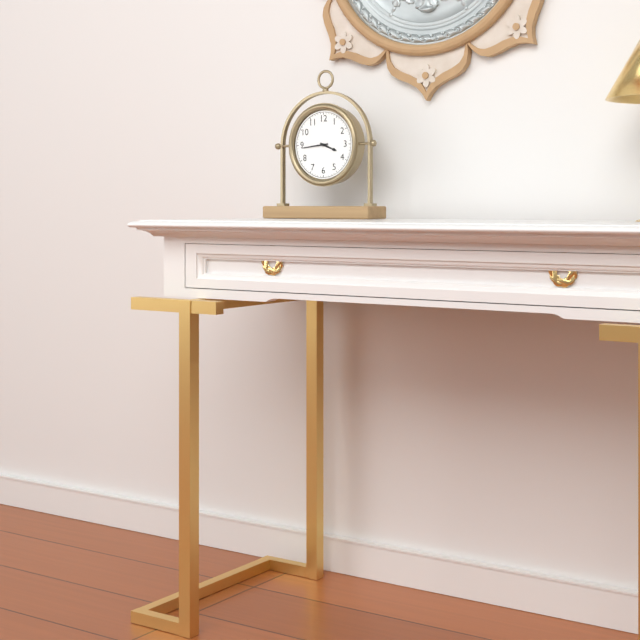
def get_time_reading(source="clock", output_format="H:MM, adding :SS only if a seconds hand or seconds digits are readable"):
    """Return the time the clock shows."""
3:44
